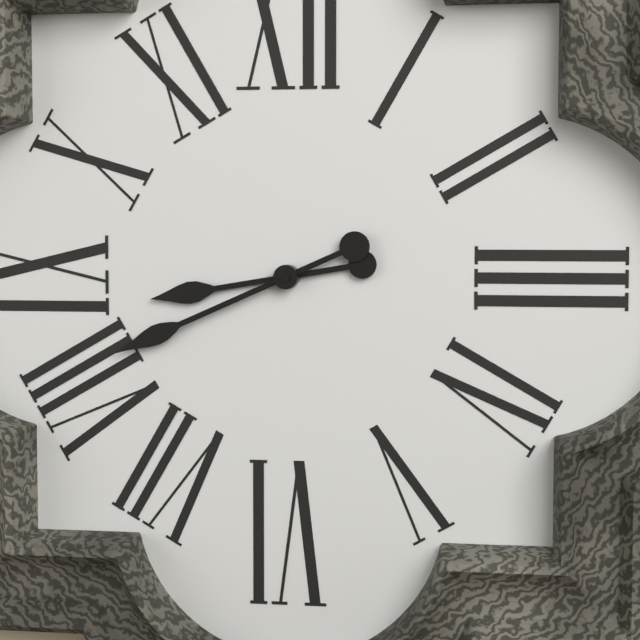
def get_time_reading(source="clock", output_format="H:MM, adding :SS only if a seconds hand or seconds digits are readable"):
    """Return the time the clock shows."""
8:41
